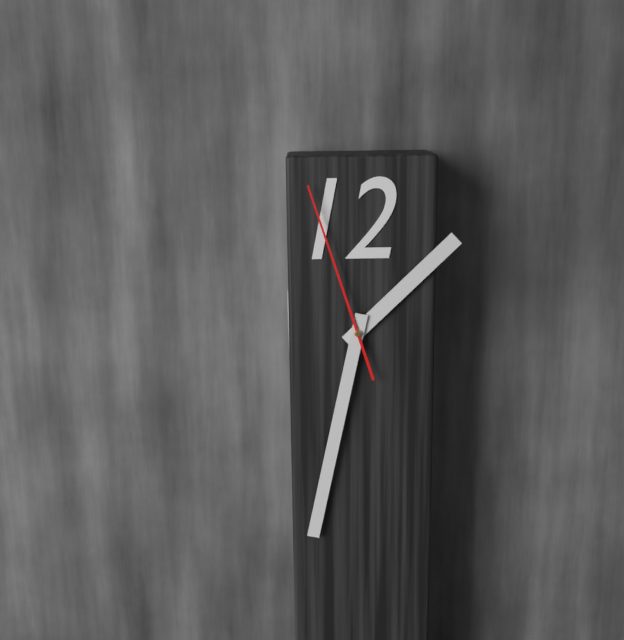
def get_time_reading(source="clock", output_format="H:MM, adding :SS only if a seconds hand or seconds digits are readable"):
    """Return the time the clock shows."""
1:32:57
